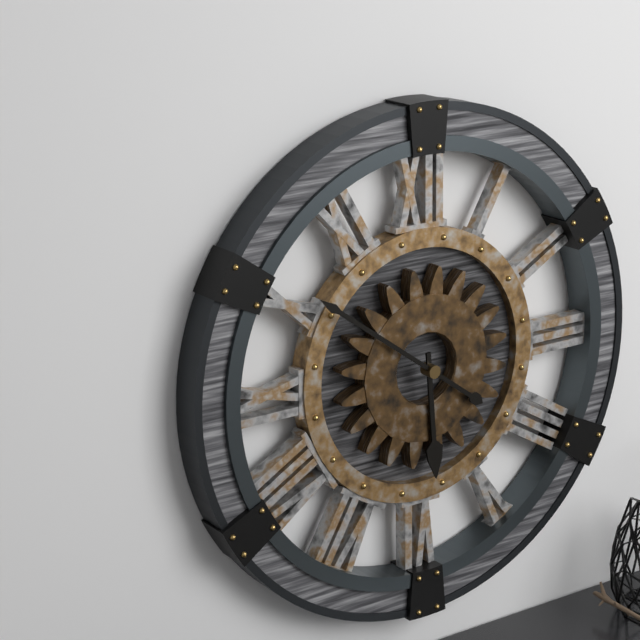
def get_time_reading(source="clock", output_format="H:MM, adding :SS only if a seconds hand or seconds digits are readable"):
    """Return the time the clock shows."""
5:51
